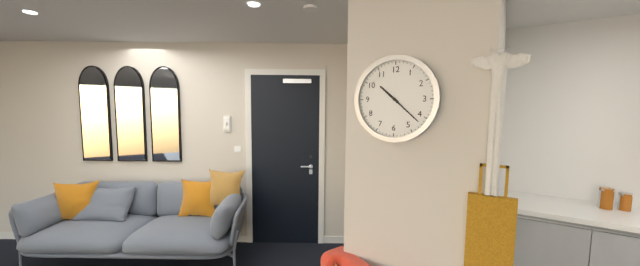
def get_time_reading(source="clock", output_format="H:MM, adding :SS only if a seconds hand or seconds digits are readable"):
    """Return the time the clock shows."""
10:22
